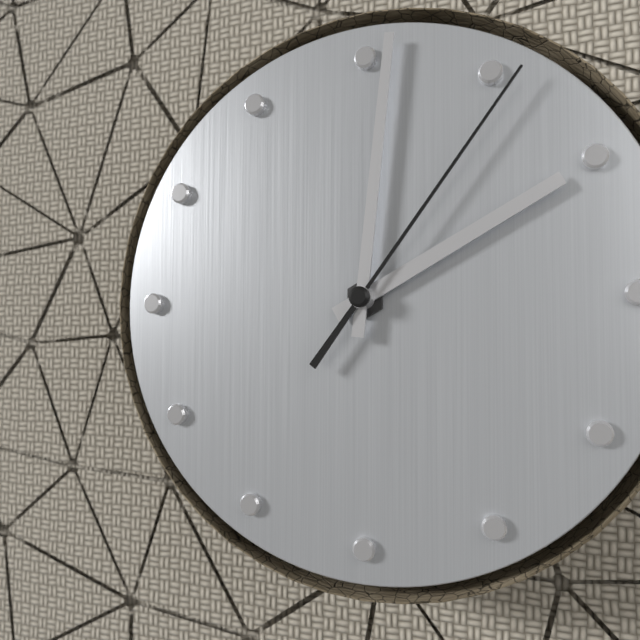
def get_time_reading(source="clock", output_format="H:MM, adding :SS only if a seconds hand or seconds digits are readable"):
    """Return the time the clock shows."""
2:01:06
